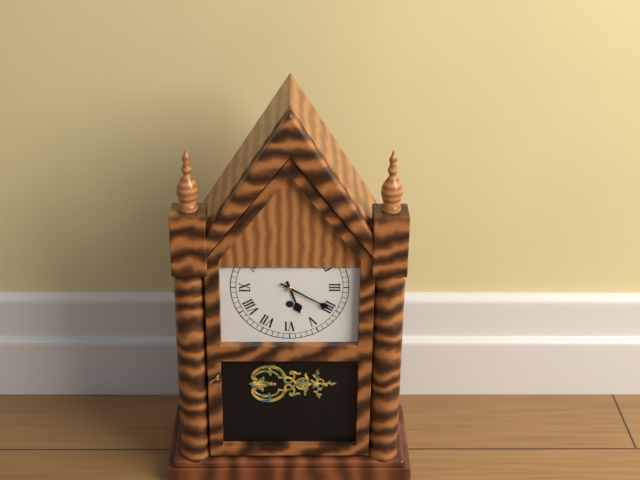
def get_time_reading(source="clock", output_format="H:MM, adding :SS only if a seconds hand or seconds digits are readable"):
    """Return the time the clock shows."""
5:20
